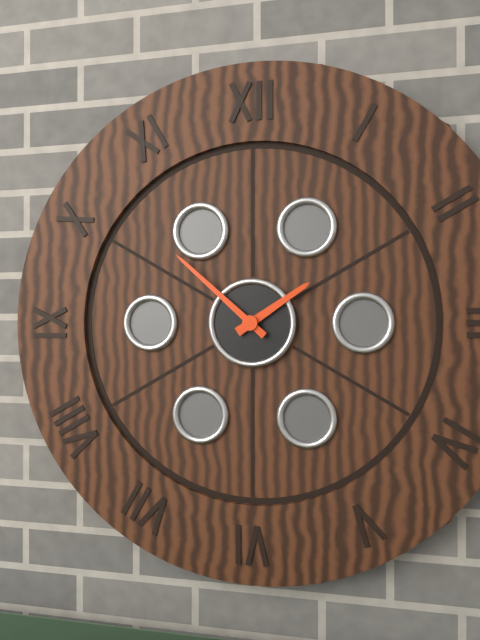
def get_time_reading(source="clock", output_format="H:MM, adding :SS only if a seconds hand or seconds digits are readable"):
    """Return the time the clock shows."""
1:52
